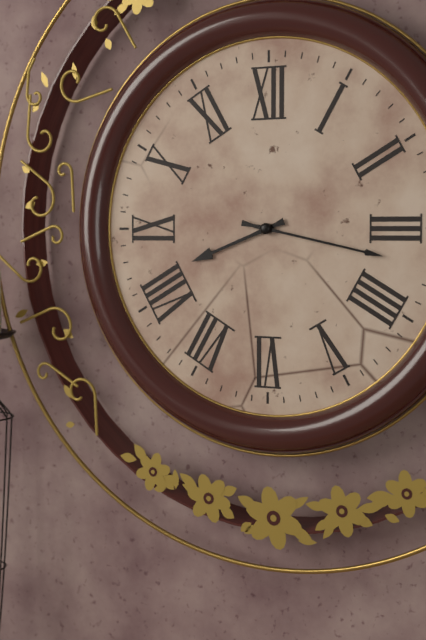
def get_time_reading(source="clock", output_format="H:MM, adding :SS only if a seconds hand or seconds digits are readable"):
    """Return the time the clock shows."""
8:17
